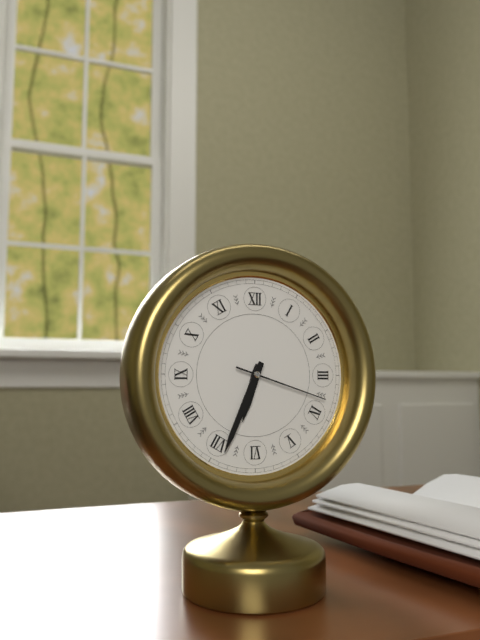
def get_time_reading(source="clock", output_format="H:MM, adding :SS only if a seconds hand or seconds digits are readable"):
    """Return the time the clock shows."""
6:34:18
